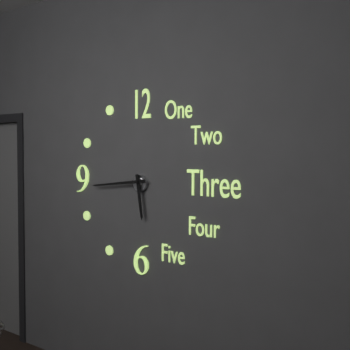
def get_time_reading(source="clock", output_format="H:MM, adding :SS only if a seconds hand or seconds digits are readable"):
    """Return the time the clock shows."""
5:44
